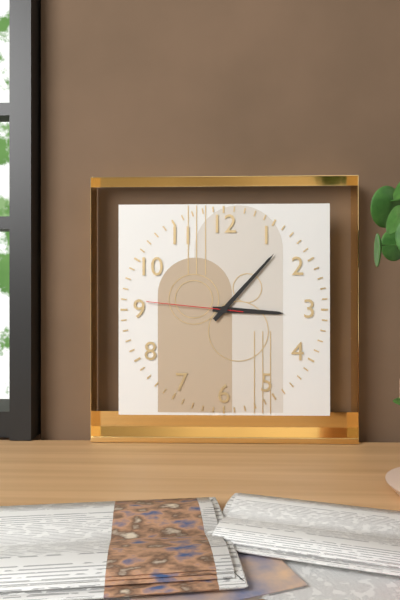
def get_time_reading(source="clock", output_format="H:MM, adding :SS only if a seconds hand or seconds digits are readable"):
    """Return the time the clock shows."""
3:07:46
